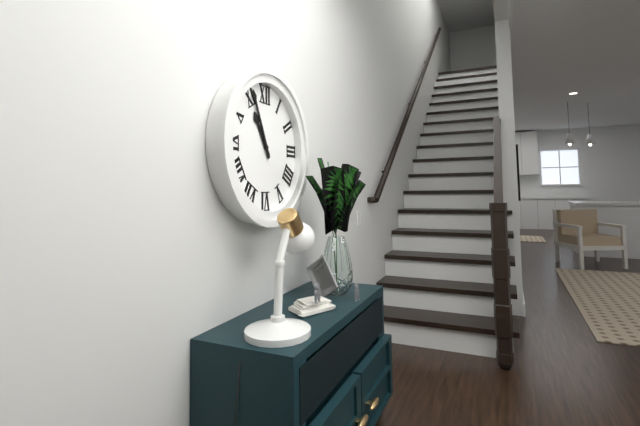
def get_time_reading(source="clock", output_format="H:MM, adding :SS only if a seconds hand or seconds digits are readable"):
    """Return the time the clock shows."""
10:56
